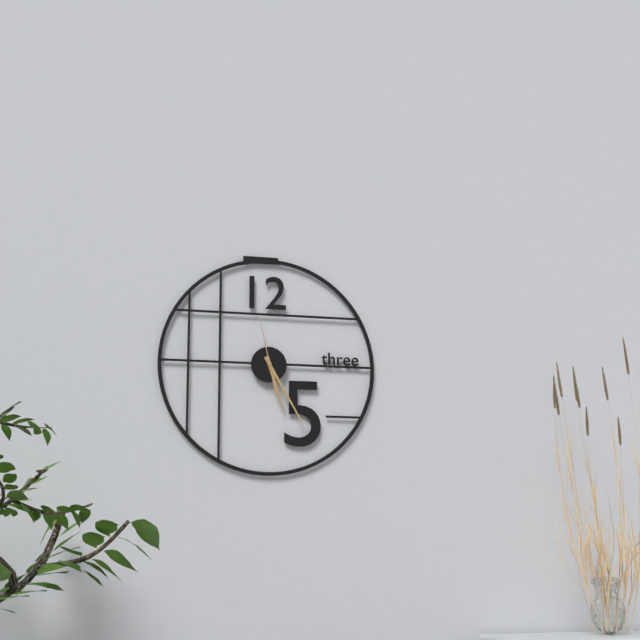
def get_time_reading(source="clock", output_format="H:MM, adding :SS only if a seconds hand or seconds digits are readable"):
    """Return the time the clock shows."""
5:25:58
